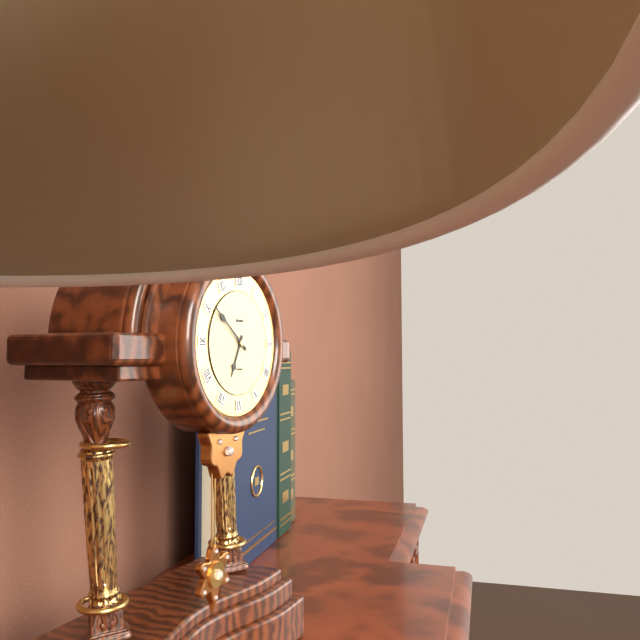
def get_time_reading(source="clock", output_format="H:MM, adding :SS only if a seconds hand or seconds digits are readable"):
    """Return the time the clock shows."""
6:51
